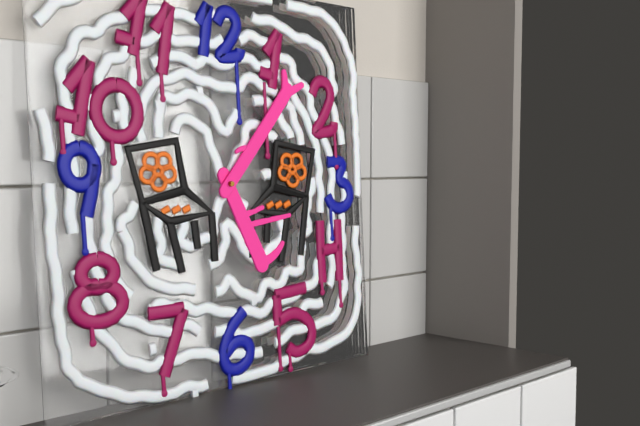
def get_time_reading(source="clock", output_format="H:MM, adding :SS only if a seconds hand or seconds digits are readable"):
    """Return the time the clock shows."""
5:07
